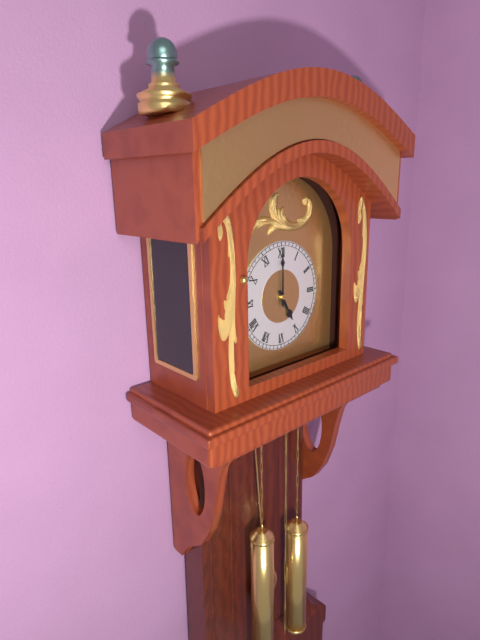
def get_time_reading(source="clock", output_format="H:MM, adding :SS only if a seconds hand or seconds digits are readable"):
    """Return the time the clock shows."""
5:00
